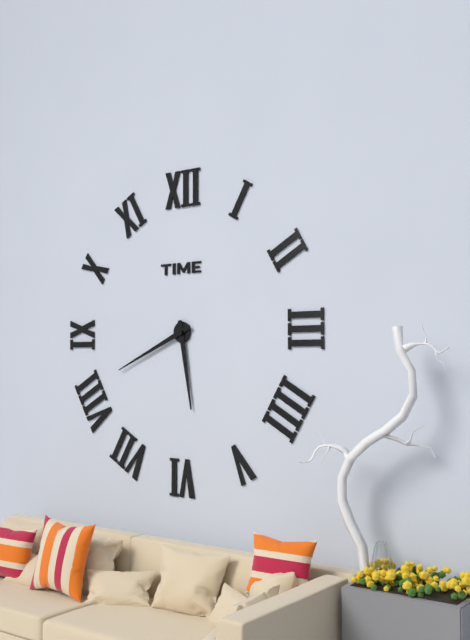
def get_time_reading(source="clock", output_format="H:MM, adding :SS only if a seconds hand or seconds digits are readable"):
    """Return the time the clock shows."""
5:41
